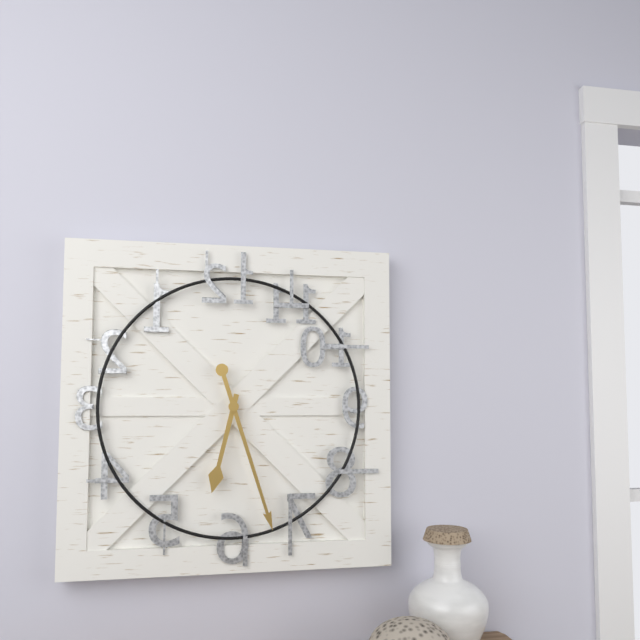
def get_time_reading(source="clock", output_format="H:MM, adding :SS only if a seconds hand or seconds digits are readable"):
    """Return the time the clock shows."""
6:27
